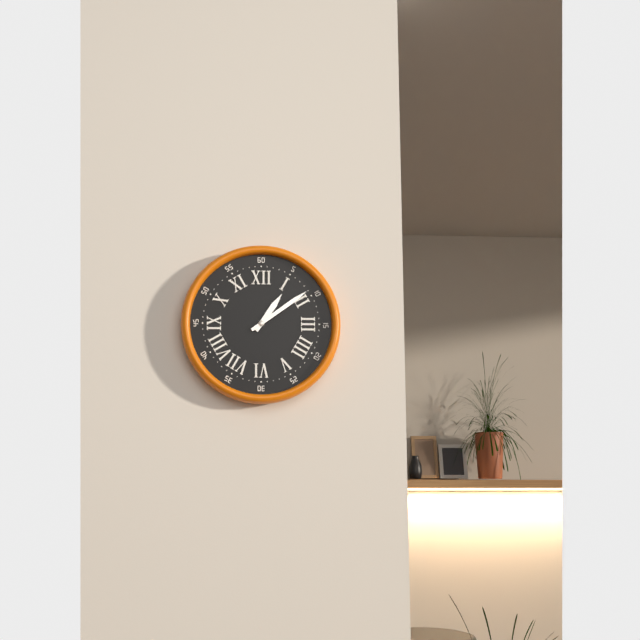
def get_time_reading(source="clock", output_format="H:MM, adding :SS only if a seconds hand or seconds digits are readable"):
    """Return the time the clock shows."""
1:09
